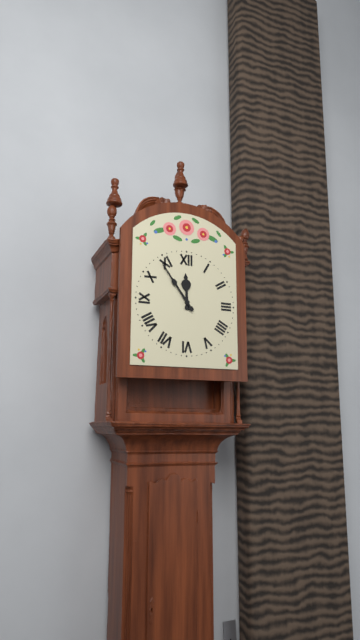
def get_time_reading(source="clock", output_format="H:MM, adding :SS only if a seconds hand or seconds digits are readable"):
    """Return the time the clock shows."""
11:54
